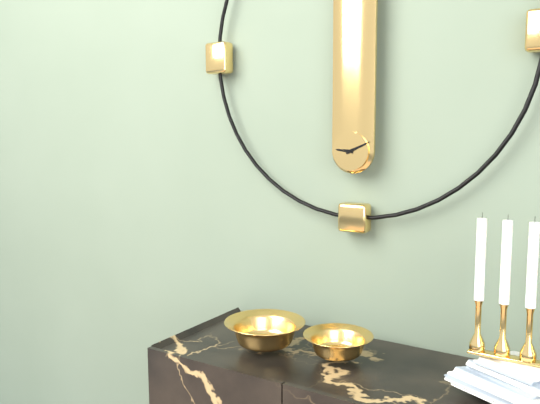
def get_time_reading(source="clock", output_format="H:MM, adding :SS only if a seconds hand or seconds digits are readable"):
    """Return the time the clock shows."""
9:11
